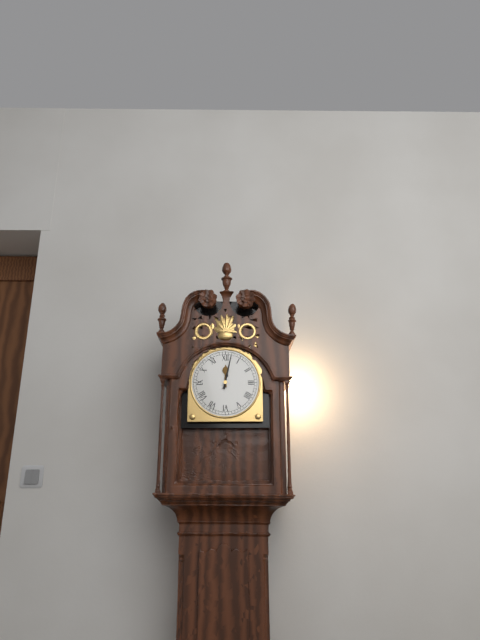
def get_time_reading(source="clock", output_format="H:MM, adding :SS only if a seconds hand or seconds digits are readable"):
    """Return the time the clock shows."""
12:02
